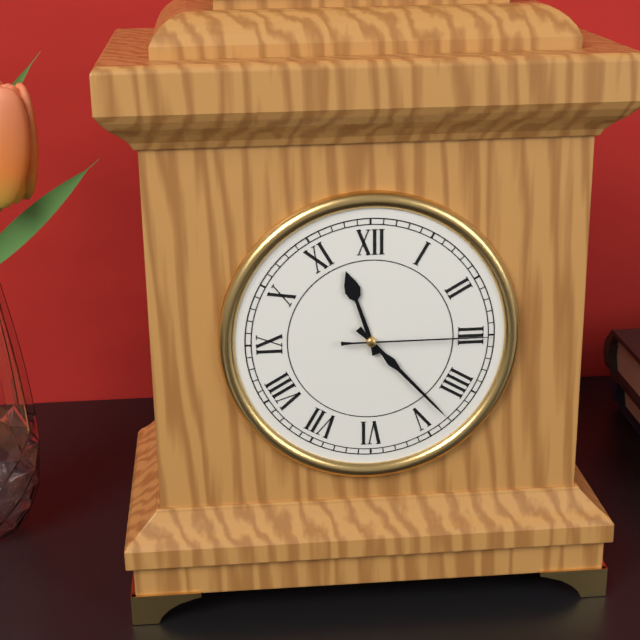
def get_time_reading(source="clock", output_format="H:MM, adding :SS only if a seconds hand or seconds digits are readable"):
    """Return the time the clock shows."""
11:23:15
